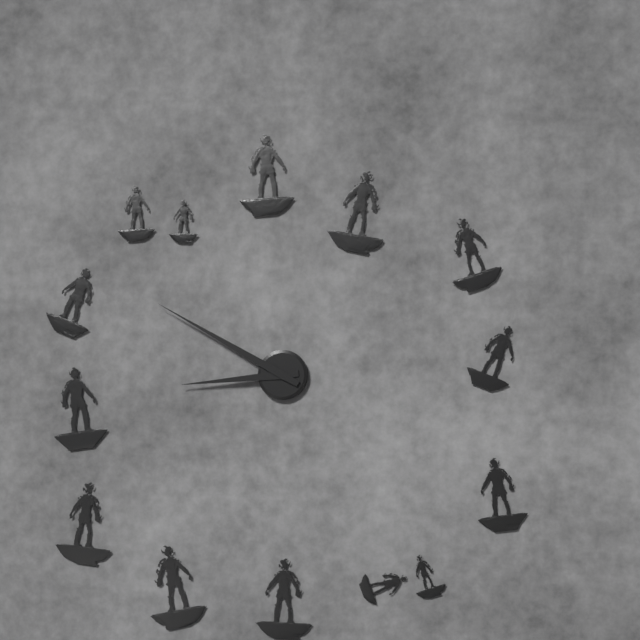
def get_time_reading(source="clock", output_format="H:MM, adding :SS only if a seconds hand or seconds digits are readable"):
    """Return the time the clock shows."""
8:50
